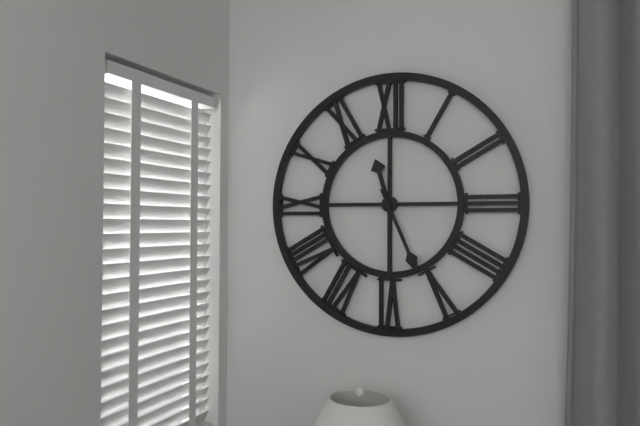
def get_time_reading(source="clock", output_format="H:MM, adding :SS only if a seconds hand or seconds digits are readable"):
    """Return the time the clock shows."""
11:26
